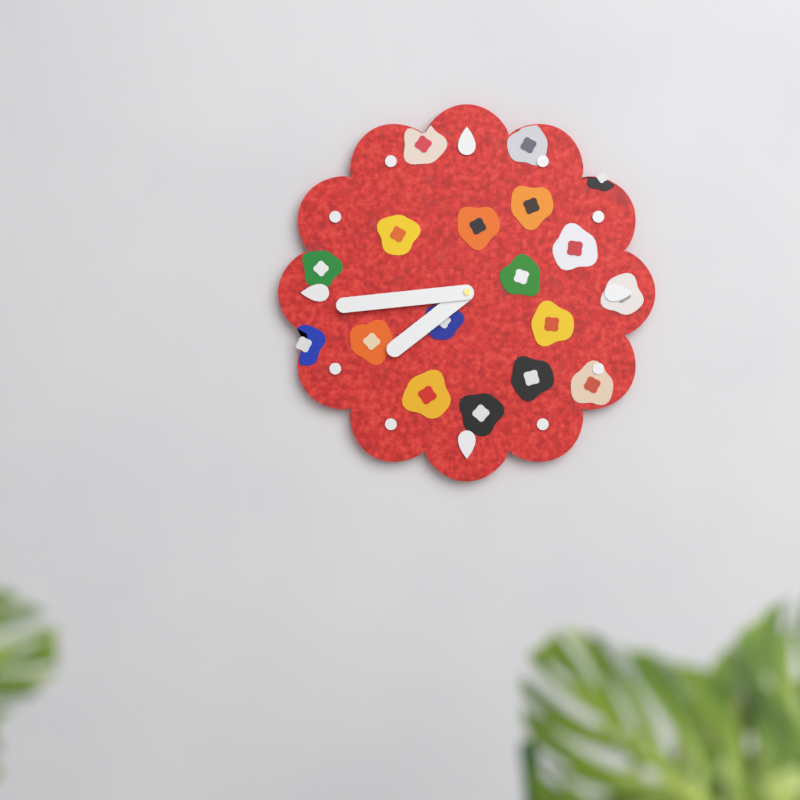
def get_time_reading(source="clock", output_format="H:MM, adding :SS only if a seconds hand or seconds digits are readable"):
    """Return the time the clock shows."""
7:44
